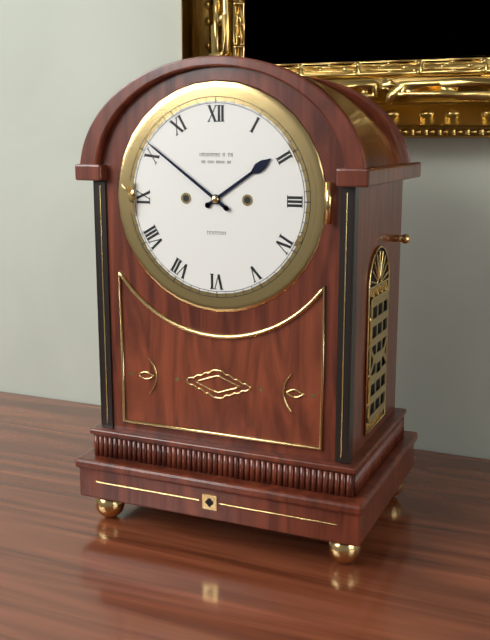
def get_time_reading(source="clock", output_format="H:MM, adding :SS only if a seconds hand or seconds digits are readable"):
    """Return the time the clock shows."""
1:51
